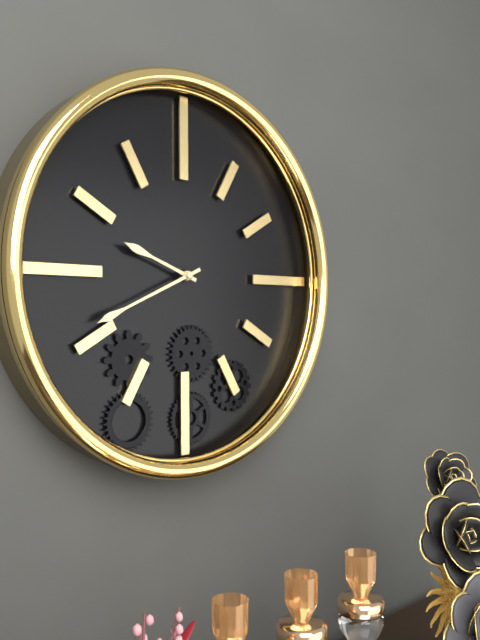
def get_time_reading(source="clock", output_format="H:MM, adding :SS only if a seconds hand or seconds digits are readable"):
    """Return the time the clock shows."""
9:41
